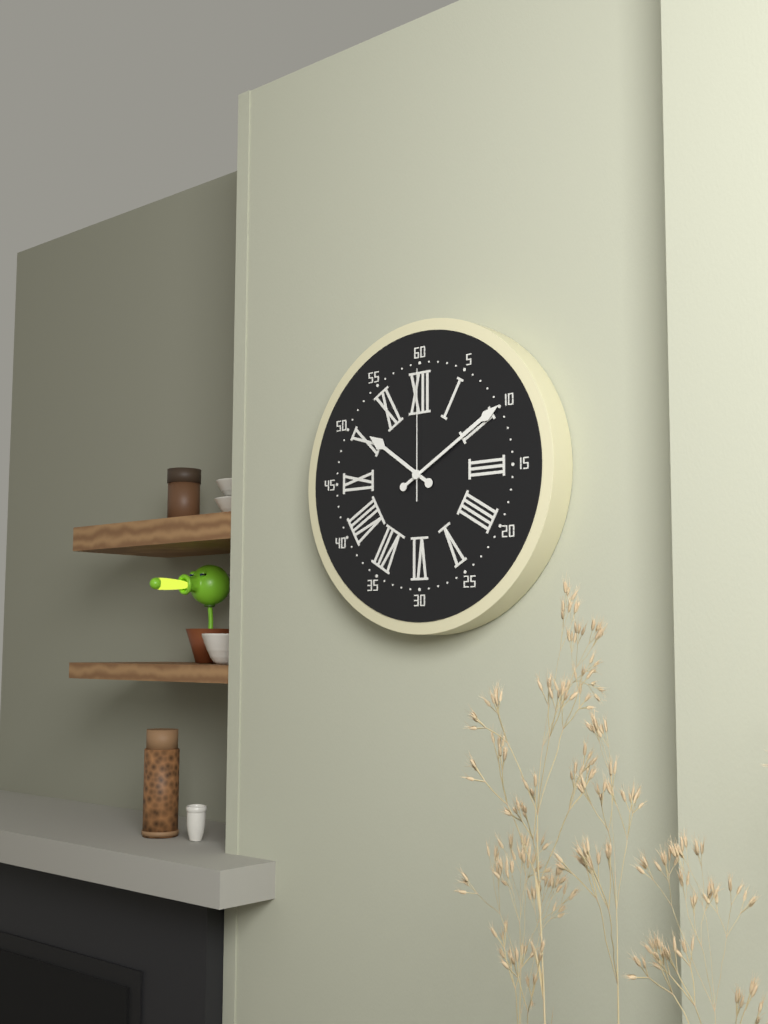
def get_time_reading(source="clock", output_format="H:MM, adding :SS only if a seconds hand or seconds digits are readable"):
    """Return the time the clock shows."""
10:10:00
